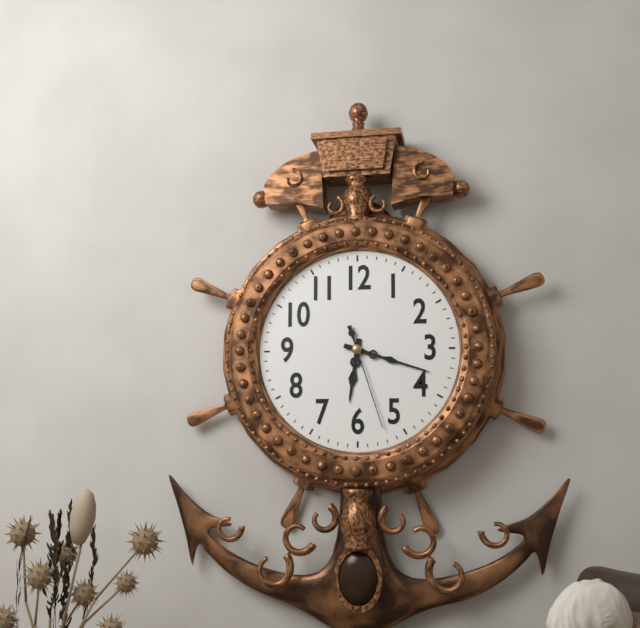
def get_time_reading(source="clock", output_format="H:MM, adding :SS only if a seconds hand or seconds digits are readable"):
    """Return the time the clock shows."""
6:18:27
